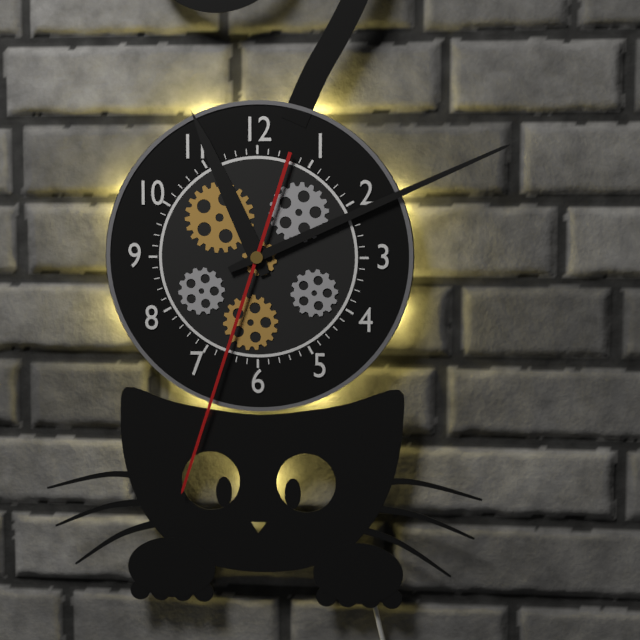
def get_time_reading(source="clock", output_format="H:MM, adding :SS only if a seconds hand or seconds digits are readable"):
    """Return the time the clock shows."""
11:11:33
